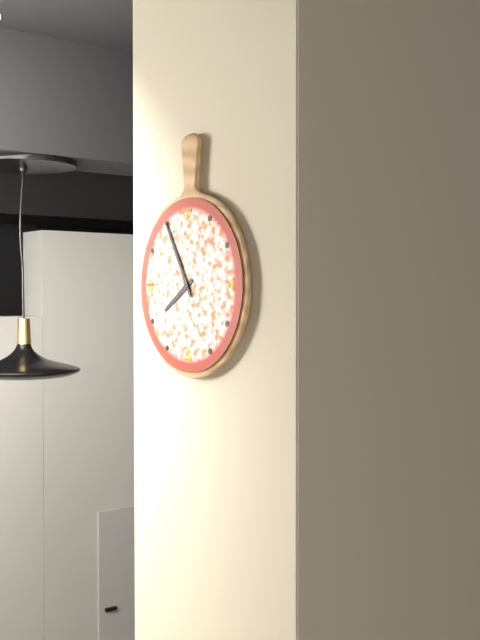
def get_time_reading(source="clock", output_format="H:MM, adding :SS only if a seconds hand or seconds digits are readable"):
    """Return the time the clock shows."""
7:55
